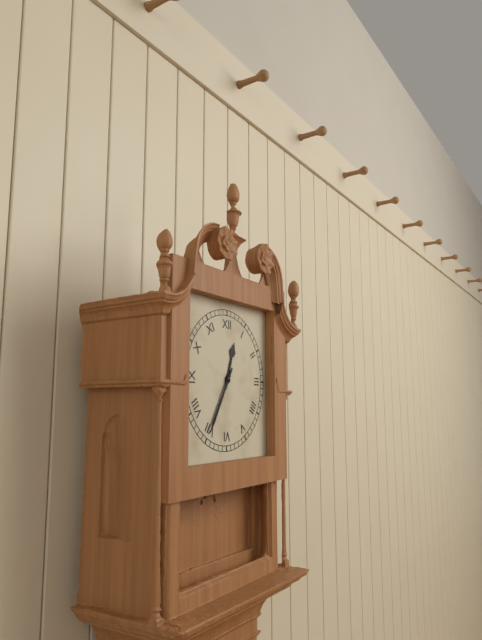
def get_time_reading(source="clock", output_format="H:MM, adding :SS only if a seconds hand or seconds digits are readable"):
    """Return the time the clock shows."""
12:35
